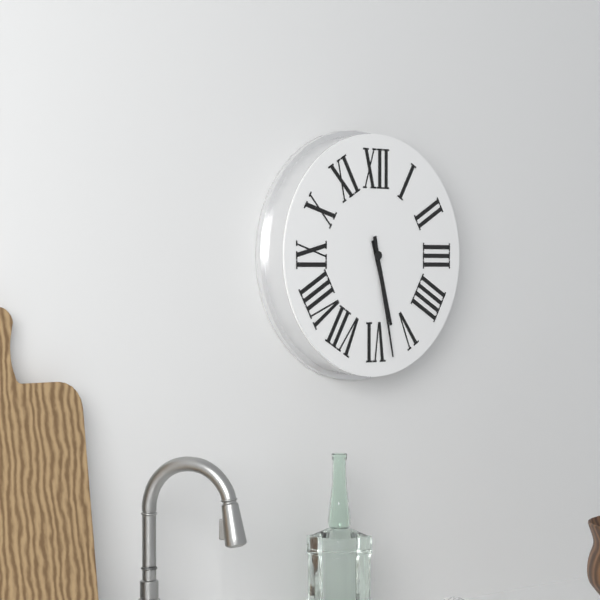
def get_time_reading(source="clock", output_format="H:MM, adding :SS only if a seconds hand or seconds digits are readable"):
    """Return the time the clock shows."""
5:28
